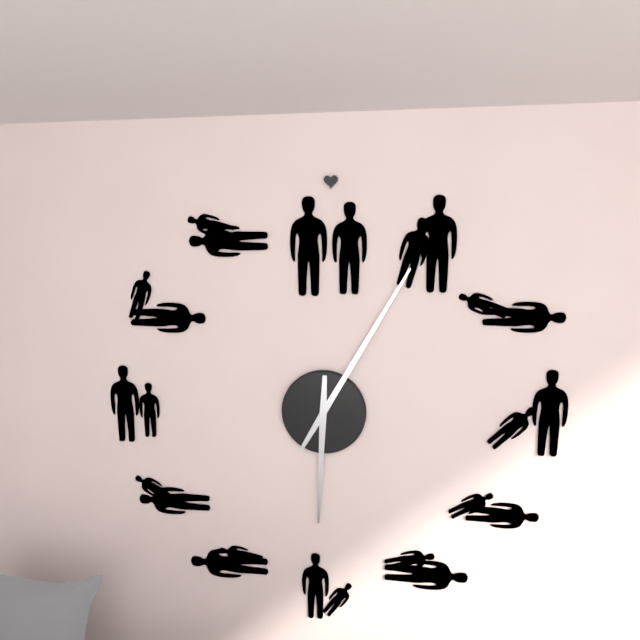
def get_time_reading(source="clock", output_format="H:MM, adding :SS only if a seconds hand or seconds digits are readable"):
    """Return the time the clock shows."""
6:05
